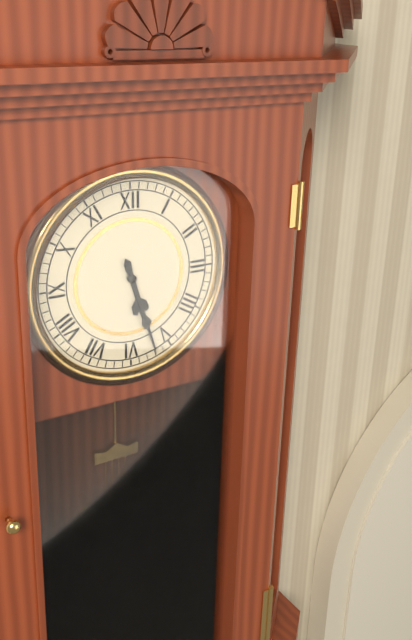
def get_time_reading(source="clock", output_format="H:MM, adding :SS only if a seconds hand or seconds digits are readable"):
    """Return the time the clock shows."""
5:27
